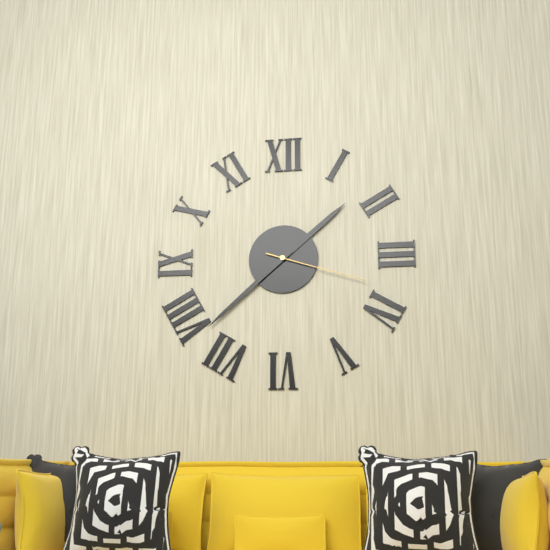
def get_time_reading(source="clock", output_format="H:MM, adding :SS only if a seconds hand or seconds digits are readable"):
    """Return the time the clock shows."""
1:38:18
